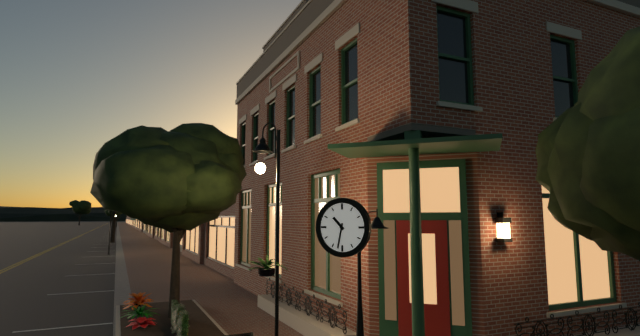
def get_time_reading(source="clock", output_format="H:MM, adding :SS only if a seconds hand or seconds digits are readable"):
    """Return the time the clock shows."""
10:32
